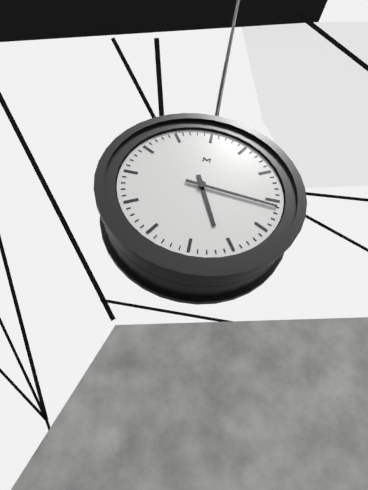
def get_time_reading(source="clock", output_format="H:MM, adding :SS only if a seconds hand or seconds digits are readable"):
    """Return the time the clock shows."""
5:16
